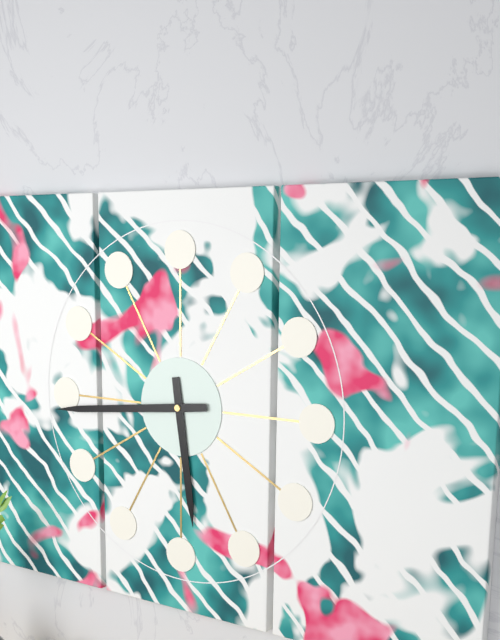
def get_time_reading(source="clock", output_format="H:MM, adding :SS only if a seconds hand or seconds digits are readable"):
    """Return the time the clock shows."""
5:44
